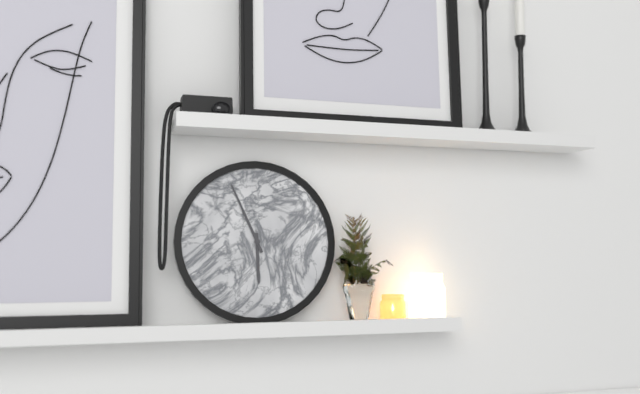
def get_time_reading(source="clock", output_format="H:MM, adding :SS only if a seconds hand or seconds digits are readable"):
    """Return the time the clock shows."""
5:56
